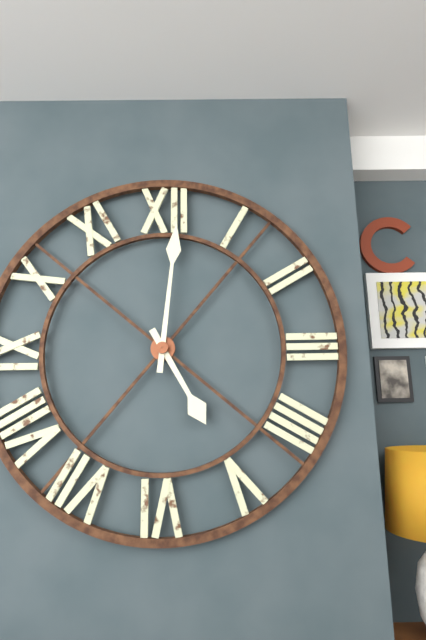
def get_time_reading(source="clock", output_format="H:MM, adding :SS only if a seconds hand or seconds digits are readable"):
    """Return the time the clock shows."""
5:01
